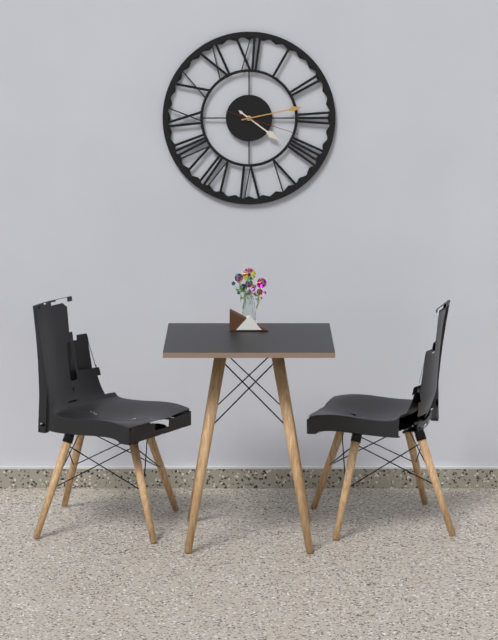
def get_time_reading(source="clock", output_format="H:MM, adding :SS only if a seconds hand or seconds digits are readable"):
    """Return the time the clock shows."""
4:13:18
